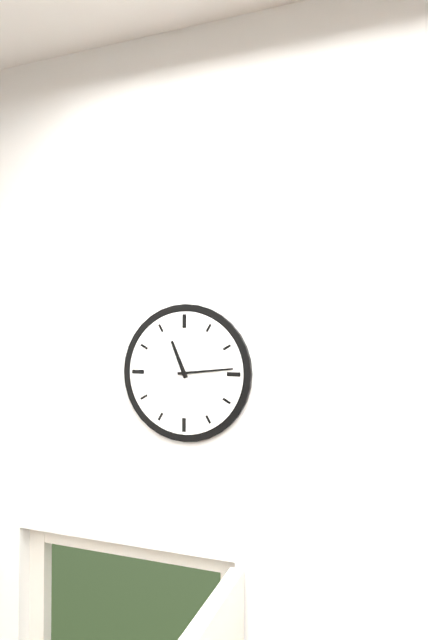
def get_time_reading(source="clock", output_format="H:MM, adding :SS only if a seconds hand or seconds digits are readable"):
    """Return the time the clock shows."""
11:14
